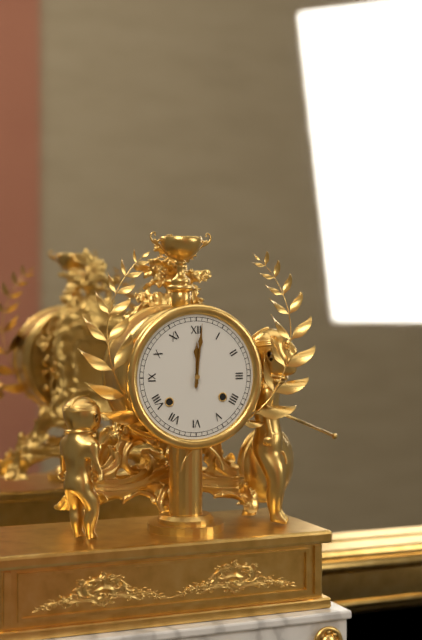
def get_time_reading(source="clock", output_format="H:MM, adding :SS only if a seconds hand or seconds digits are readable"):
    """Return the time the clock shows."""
12:01
